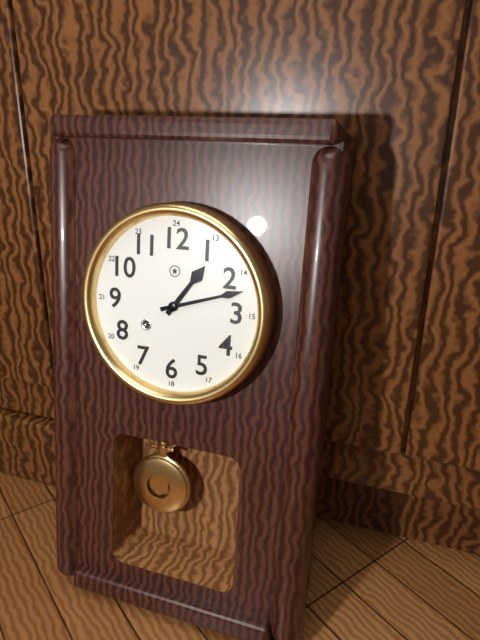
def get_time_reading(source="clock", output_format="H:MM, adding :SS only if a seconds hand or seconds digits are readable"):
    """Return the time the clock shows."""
1:12
